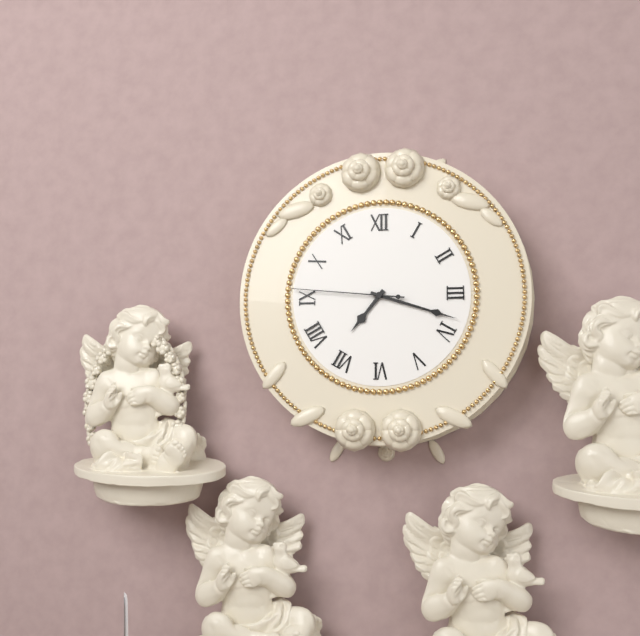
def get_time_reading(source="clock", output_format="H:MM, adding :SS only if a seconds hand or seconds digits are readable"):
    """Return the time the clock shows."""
7:18:46
